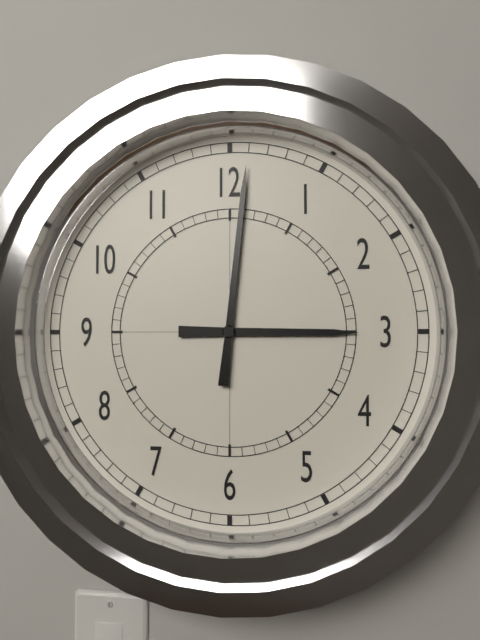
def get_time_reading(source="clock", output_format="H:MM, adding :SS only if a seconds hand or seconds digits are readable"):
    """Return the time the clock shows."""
3:01
